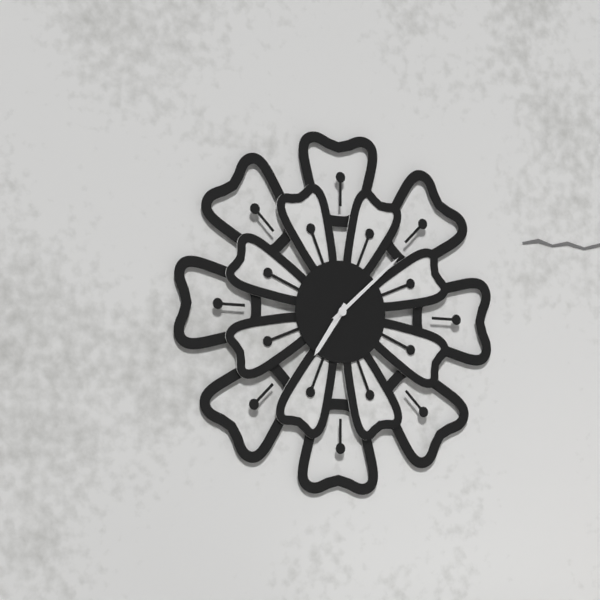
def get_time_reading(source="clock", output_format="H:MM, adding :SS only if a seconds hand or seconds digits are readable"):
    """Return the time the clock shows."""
7:08
